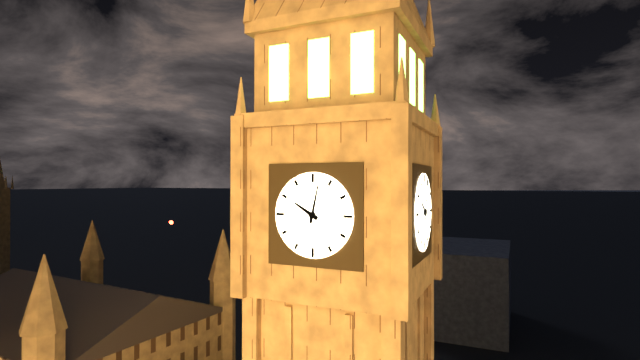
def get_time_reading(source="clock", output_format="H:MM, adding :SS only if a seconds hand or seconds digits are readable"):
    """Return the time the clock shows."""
10:02
